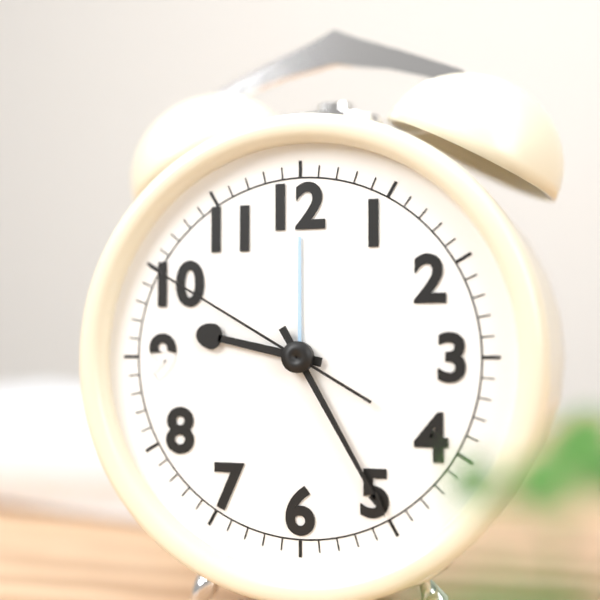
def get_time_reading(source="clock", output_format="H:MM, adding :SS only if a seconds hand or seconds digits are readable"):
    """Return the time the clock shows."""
9:25:50
